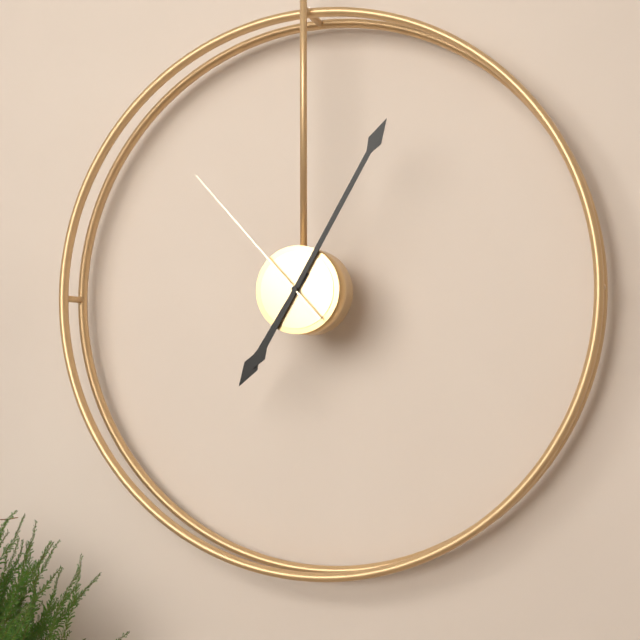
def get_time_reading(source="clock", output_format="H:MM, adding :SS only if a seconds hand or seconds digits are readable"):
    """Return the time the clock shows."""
7:05:53
